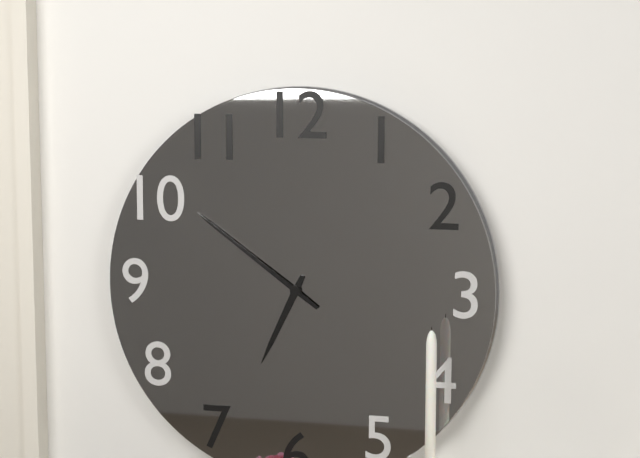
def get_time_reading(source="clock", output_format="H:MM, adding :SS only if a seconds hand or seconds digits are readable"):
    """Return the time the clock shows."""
6:51
